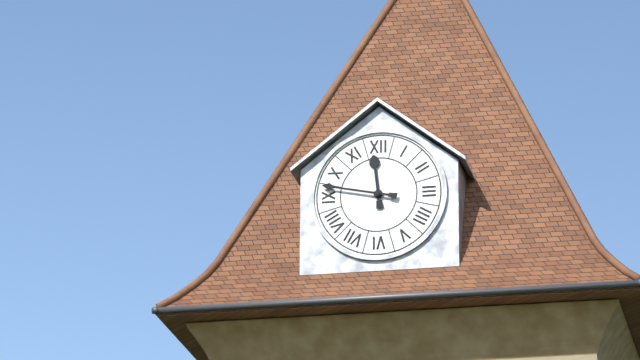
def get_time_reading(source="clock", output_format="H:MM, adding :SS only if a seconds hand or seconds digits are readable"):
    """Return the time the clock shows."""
11:47
